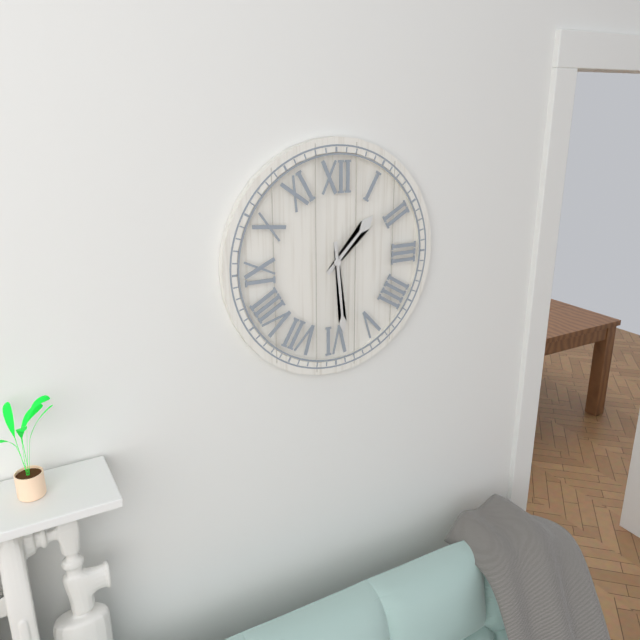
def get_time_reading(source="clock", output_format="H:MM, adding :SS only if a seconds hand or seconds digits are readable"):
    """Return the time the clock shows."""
1:29
